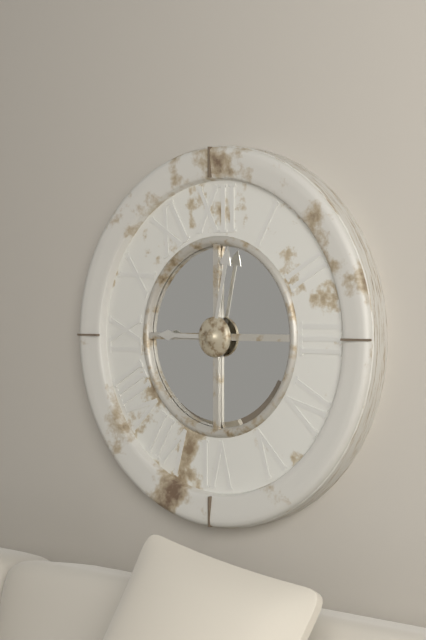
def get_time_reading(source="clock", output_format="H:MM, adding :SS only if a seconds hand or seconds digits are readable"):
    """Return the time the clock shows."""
9:02
